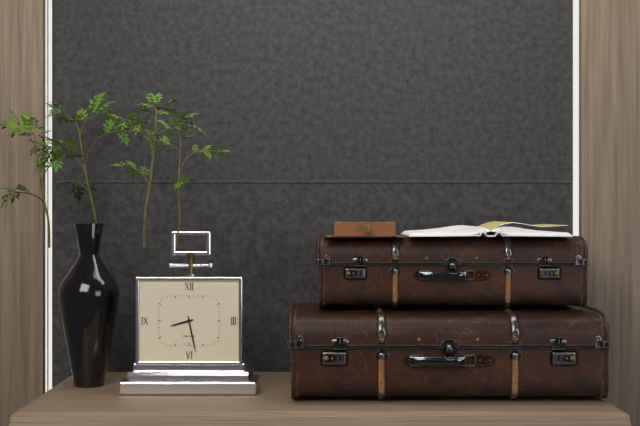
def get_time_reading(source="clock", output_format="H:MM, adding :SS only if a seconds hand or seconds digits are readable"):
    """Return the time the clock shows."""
8:28
